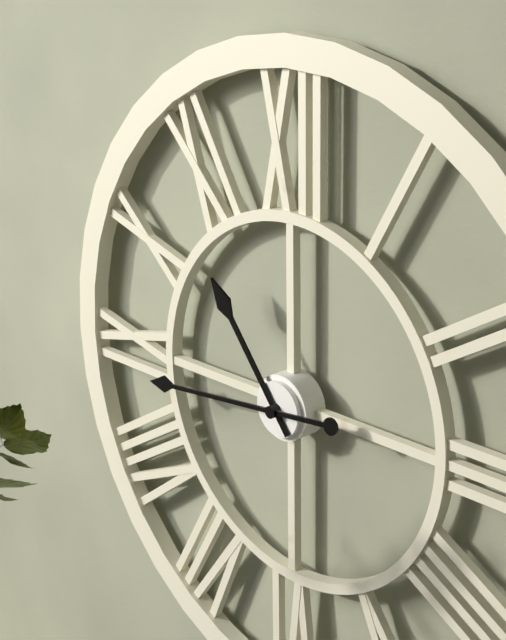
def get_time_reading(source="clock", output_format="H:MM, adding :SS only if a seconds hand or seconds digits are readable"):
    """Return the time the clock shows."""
10:44
